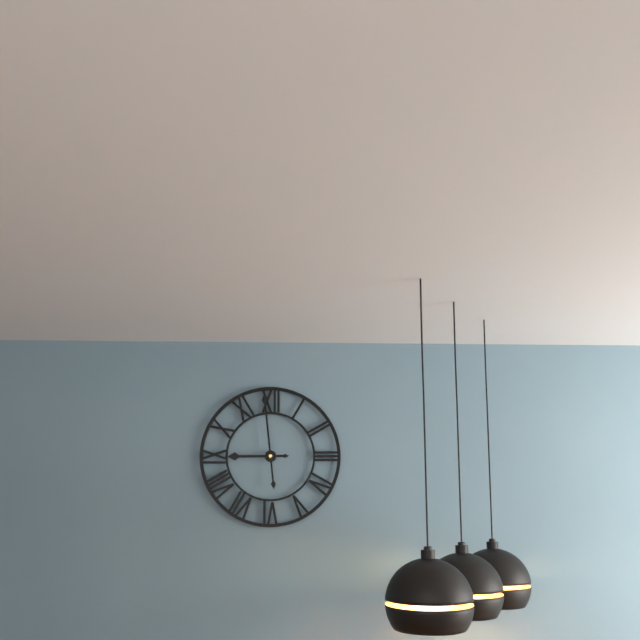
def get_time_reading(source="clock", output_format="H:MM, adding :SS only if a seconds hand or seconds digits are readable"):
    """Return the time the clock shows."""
8:59
